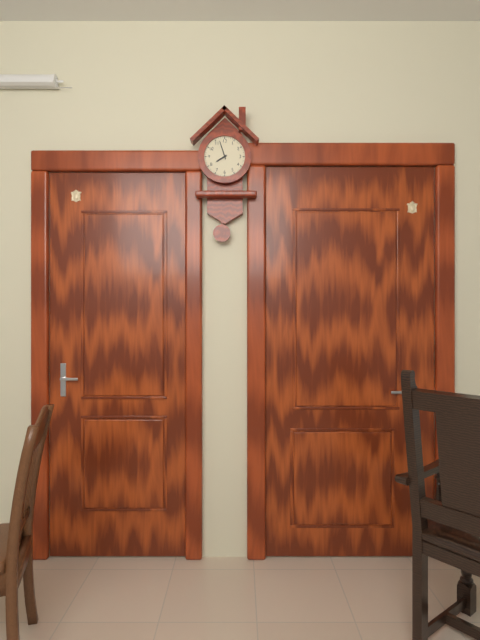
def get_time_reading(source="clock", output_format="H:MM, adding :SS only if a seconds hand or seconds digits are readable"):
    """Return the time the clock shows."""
7:57
